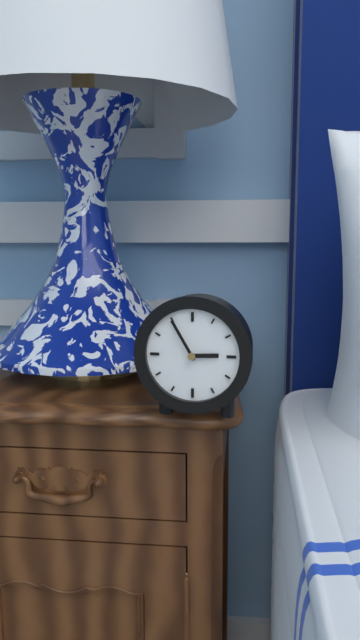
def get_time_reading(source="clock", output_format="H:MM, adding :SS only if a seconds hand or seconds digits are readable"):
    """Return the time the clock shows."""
2:55
